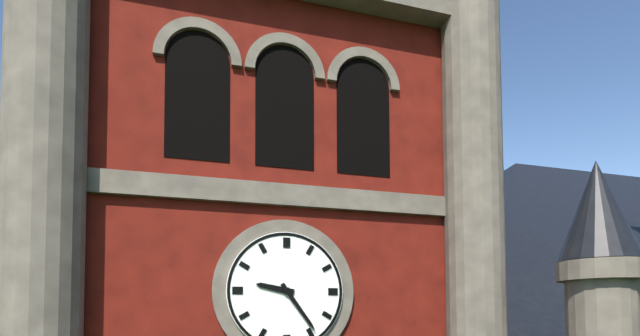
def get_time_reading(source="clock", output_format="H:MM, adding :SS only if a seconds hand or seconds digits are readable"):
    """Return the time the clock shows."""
9:24
